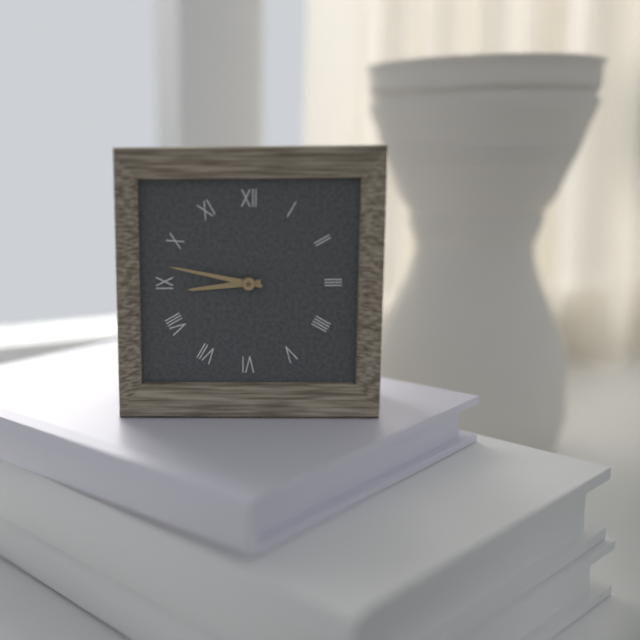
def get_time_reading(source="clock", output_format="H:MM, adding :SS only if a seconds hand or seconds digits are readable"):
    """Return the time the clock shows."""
8:47
